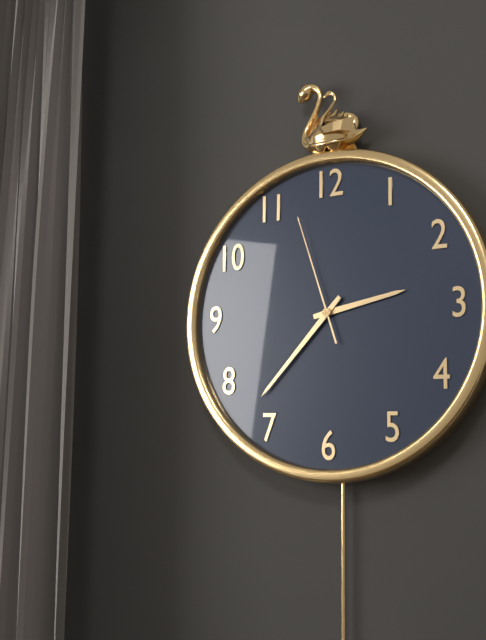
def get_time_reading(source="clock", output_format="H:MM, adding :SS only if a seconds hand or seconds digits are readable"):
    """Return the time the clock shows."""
2:37:57
